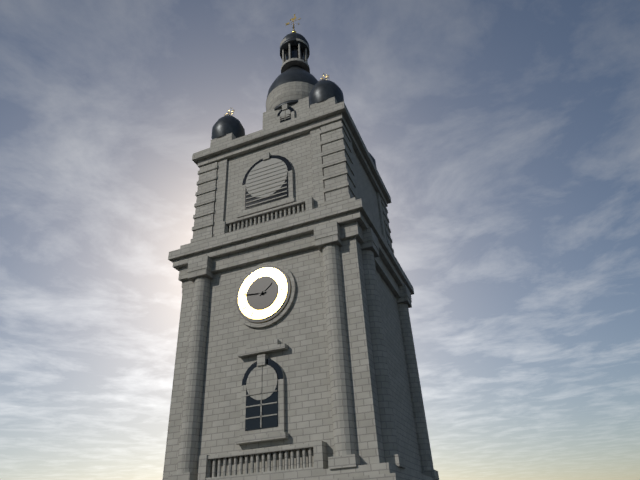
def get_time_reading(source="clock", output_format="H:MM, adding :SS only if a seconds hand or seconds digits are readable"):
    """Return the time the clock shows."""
1:46
